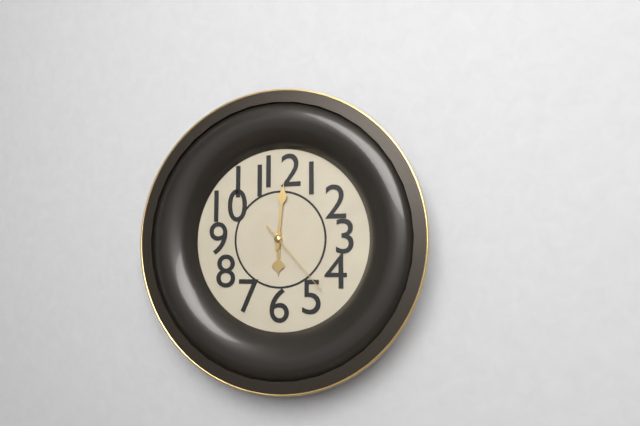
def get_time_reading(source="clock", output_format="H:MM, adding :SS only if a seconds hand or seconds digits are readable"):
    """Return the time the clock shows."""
6:01:23
